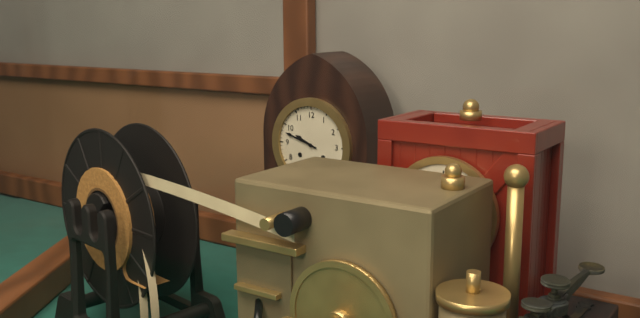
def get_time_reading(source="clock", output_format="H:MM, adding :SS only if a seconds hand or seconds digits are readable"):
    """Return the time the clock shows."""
9:48
